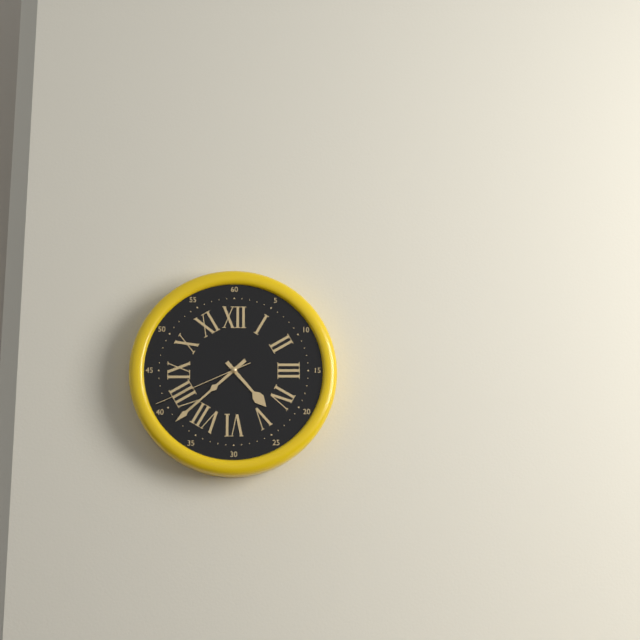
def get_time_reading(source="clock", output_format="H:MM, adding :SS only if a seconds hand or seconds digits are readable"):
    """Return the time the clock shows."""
4:38:41
